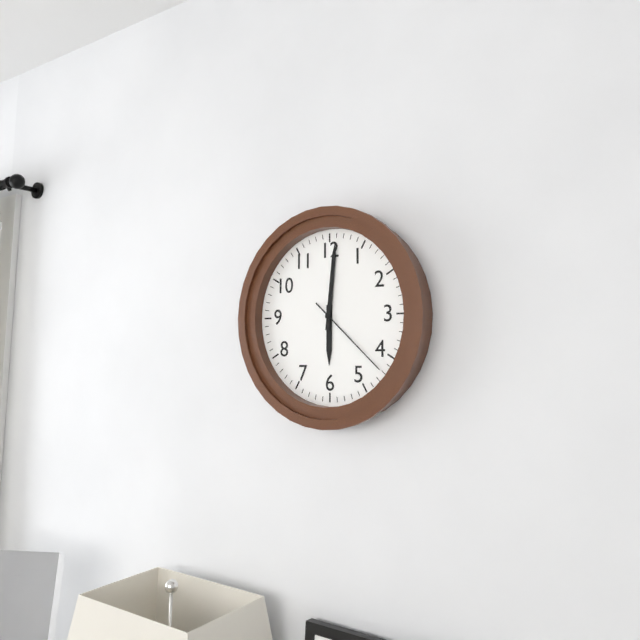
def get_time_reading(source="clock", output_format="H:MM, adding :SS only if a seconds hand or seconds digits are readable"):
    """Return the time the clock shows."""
6:01:22
